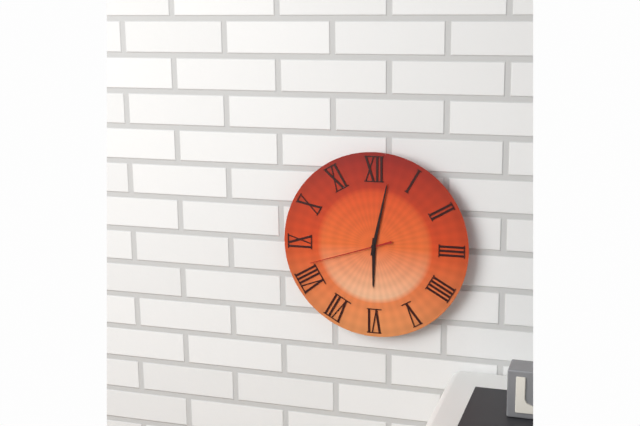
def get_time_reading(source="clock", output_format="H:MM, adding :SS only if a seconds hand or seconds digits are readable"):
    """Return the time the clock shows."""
6:02:42
